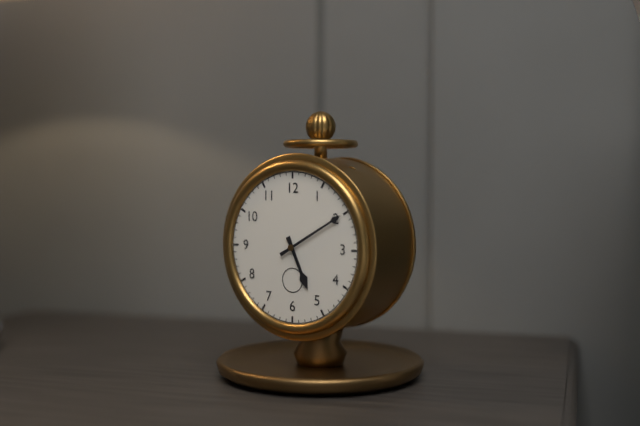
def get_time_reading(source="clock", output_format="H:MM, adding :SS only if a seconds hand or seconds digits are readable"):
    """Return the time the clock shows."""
5:10
